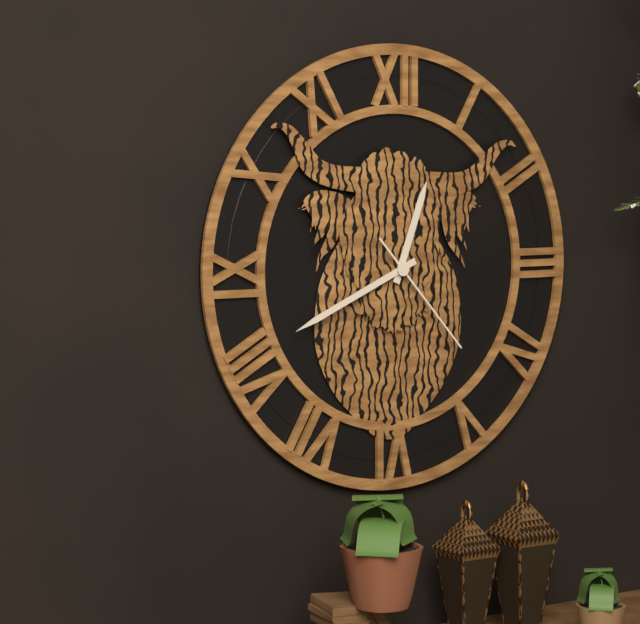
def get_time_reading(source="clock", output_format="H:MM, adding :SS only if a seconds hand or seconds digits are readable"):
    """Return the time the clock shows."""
12:41:23
